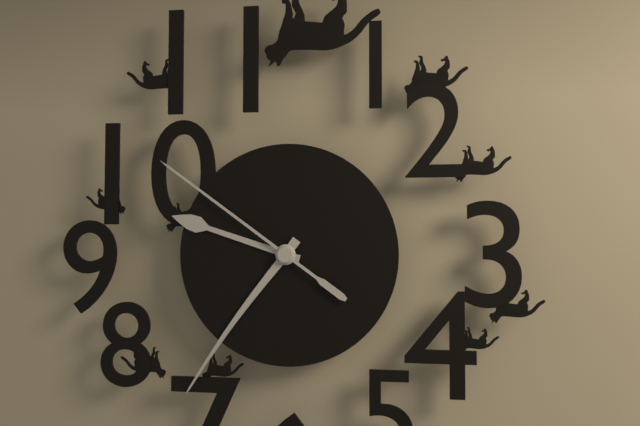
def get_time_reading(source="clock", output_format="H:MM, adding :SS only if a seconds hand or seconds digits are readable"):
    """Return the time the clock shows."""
9:36:51
